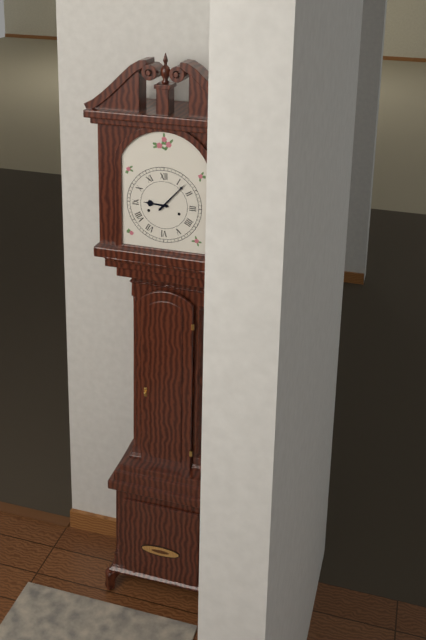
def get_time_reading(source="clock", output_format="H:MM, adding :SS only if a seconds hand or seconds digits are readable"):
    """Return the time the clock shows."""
9:07
